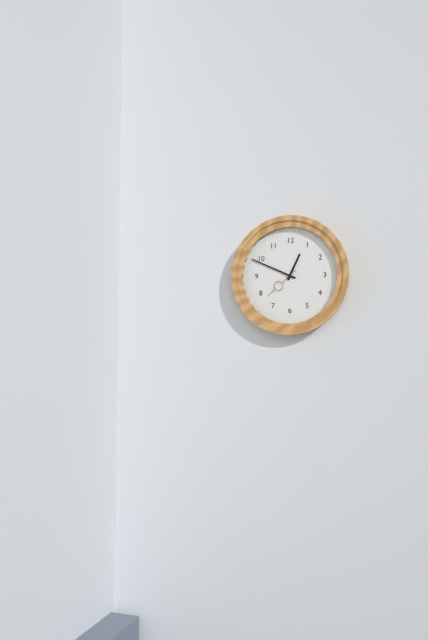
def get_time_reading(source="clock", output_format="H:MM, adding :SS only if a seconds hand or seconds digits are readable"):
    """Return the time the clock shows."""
12:49
